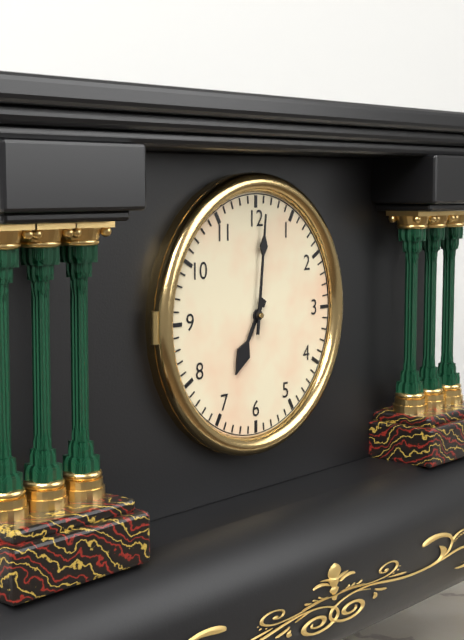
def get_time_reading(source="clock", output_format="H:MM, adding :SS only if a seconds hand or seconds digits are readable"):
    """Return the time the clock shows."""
7:01
